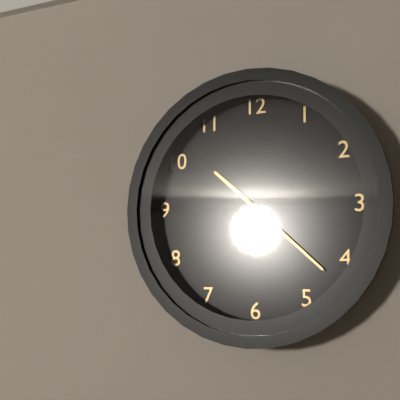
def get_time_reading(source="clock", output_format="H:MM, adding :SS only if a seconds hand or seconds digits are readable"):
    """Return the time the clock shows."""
10:22
